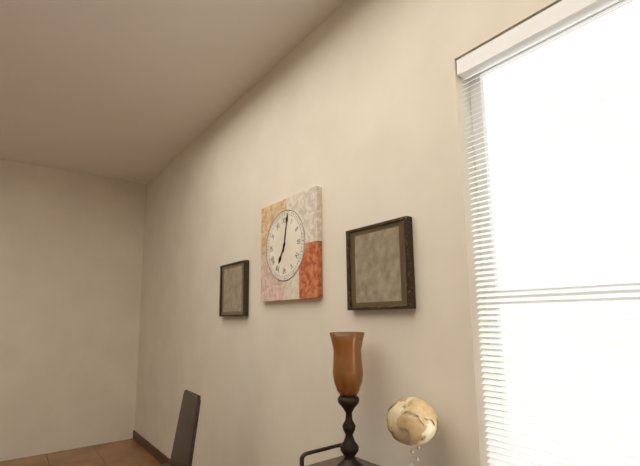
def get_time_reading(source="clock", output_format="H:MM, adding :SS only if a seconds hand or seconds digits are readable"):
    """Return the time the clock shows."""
7:02
